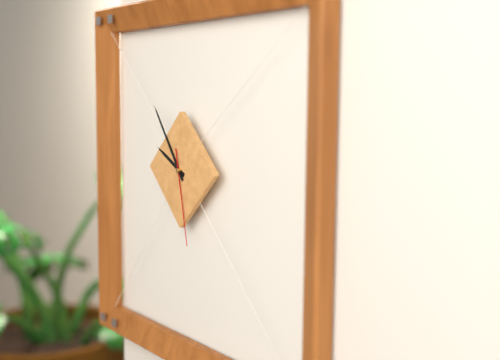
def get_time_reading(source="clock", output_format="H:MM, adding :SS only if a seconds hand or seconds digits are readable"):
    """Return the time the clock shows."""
9:54:28
